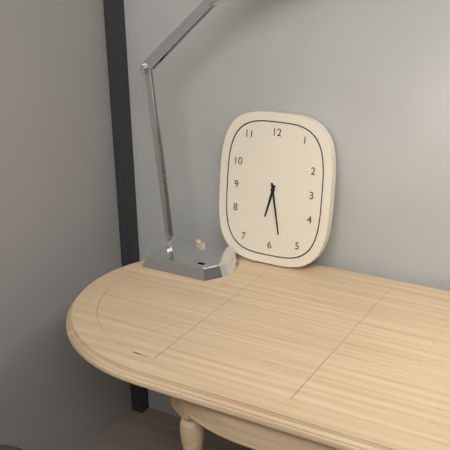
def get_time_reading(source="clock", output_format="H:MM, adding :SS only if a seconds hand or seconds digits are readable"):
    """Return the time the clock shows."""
6:28
